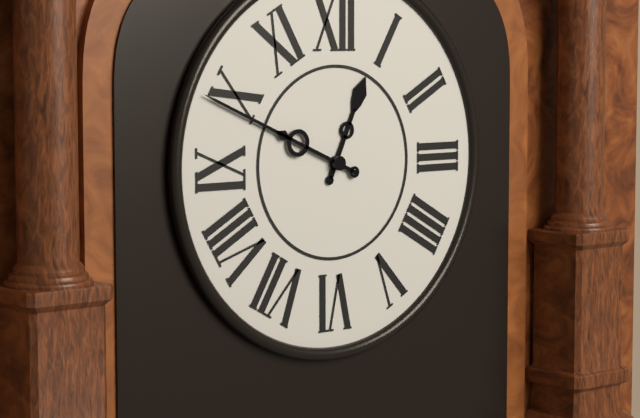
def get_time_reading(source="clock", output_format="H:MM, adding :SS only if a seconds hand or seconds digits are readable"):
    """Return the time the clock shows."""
12:49
